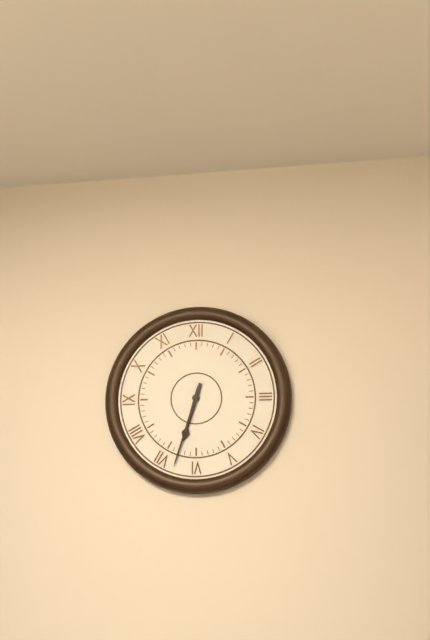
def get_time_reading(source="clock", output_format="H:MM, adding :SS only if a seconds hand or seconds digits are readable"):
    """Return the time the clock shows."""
6:33
